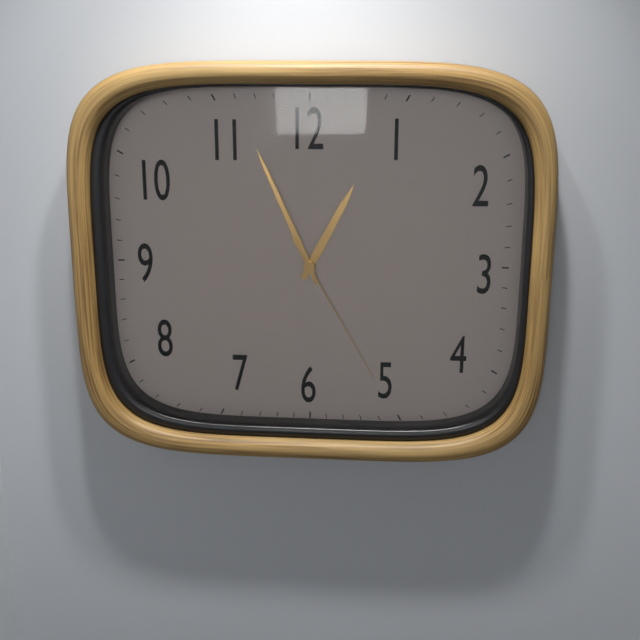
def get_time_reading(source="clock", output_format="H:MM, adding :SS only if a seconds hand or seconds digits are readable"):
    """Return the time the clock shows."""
12:56:25
